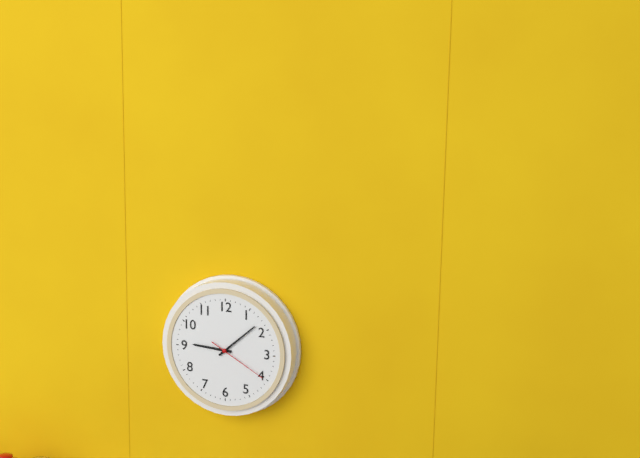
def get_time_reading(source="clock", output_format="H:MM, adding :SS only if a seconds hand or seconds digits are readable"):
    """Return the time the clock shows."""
9:08:20
